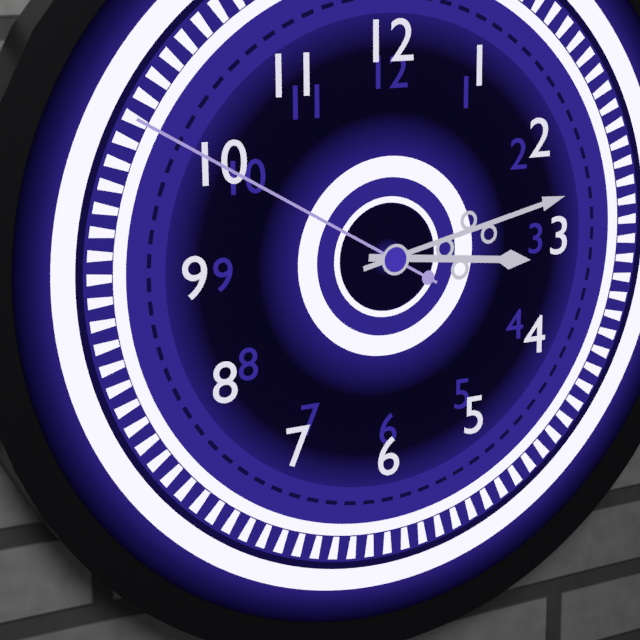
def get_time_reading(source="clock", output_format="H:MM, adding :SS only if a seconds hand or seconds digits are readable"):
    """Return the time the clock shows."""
3:13:50
